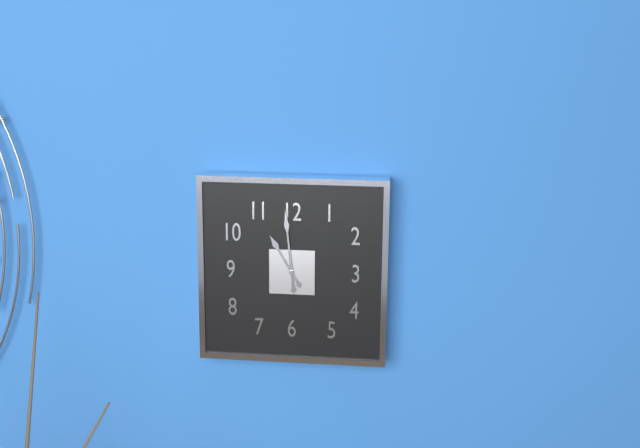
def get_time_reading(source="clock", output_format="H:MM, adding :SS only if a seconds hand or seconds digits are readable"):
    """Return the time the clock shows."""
10:59
